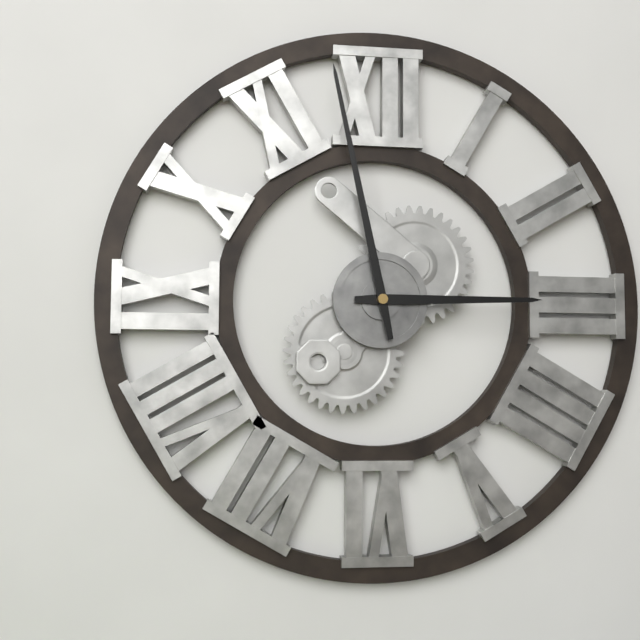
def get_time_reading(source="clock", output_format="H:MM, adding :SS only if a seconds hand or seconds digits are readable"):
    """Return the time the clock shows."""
2:58
